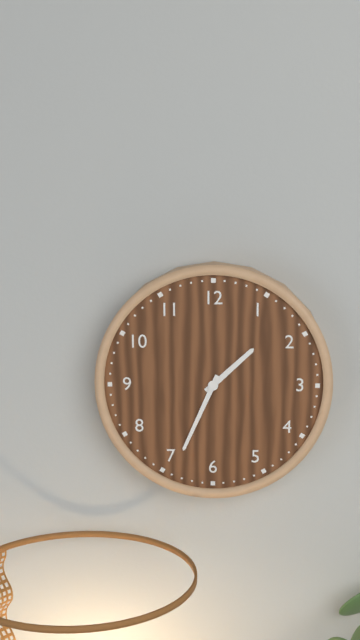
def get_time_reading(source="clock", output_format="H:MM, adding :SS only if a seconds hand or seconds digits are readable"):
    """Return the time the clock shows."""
1:34
